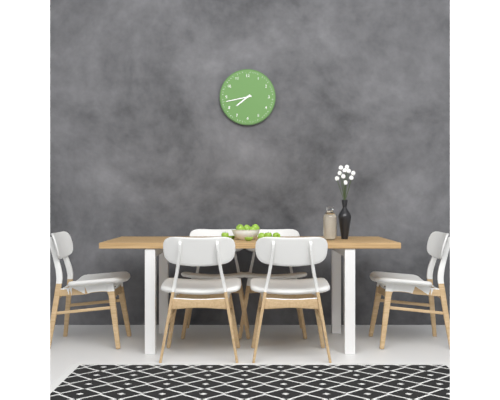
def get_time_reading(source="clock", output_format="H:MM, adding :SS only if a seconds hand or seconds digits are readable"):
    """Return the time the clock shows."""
7:43
